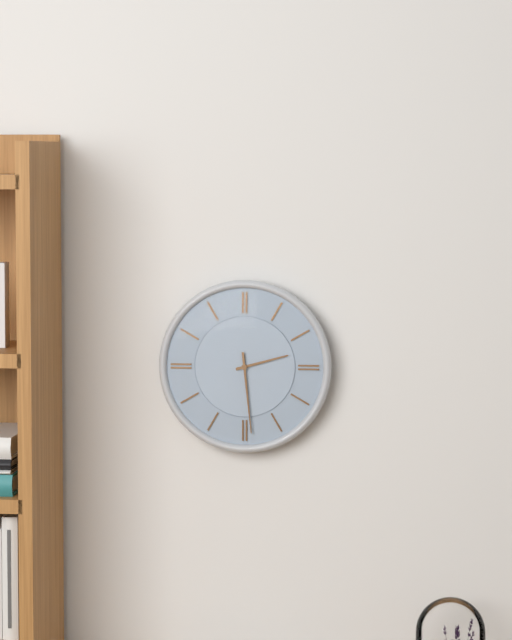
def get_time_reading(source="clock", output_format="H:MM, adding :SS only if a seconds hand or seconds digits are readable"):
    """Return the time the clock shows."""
2:29
